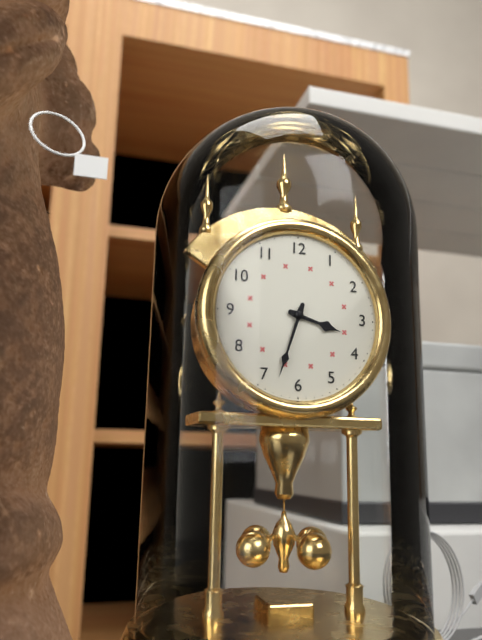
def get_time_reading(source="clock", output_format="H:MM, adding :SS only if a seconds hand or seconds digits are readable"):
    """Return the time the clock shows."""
3:33
